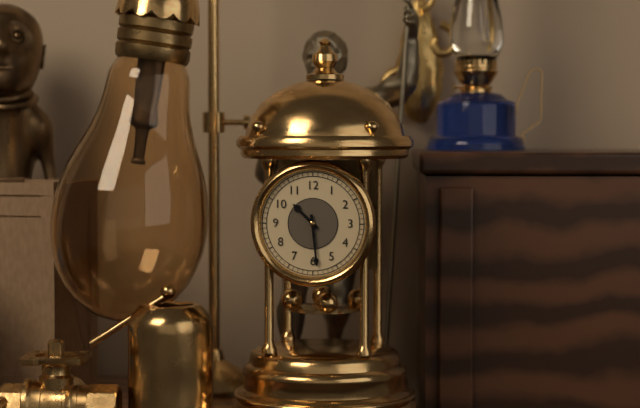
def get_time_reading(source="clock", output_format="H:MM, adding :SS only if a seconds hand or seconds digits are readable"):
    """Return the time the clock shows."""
10:29
